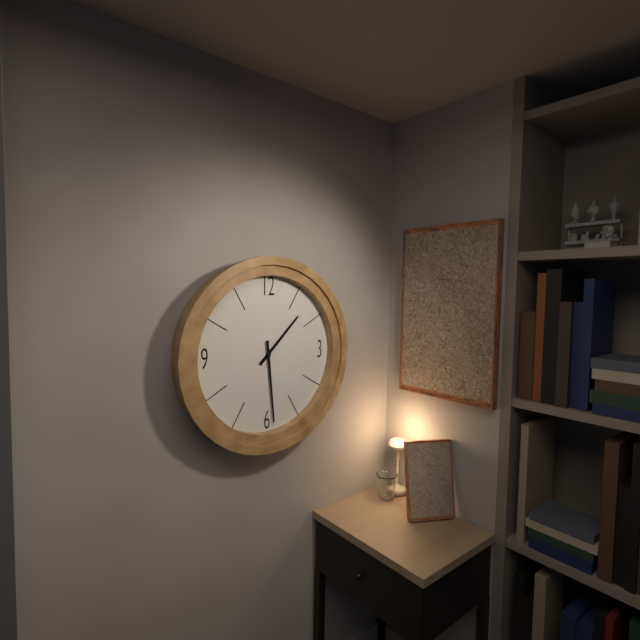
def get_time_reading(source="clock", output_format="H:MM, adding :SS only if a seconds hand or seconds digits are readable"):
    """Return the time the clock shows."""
1:29
